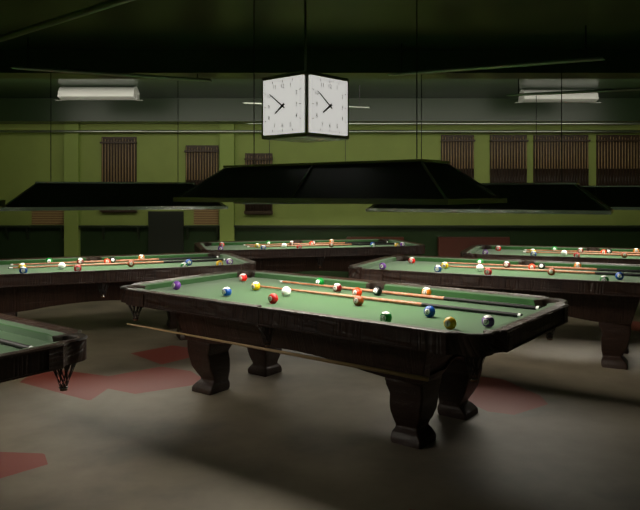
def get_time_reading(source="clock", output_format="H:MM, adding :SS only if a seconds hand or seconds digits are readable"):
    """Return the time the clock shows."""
7:51
